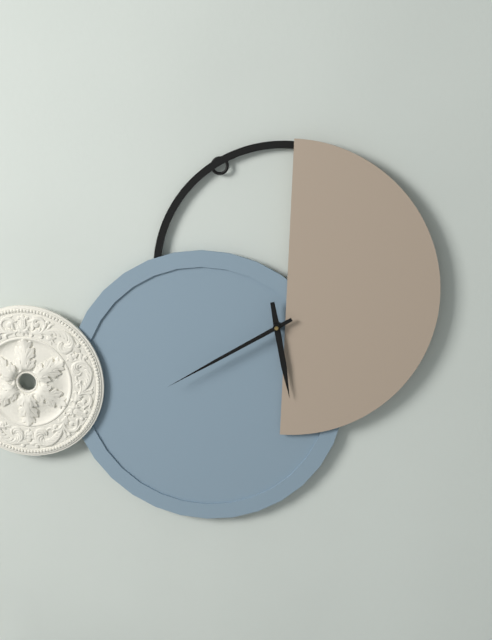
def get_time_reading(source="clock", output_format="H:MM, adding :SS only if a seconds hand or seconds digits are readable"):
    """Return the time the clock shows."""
5:40
